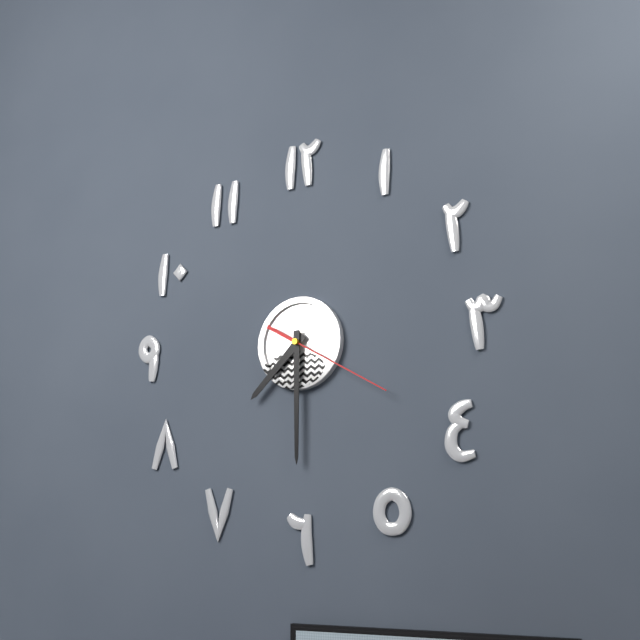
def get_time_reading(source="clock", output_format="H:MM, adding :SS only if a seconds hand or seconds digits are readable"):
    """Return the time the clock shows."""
7:30:20
